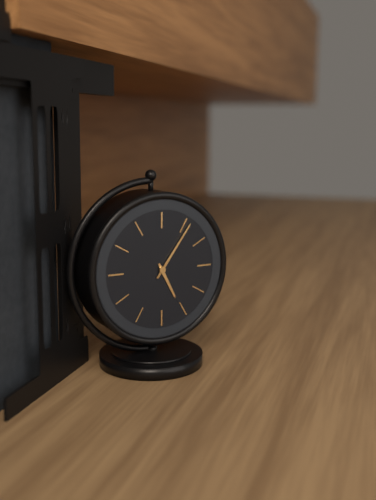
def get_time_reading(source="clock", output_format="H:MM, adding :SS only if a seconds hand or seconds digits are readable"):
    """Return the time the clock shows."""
5:06
